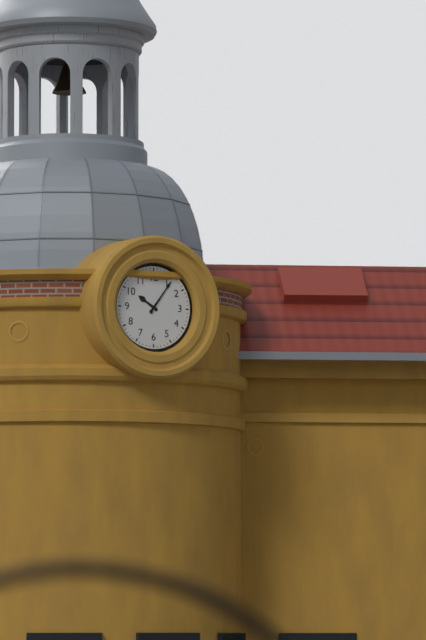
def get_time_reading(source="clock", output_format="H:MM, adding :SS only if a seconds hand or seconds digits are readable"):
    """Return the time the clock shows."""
10:06
